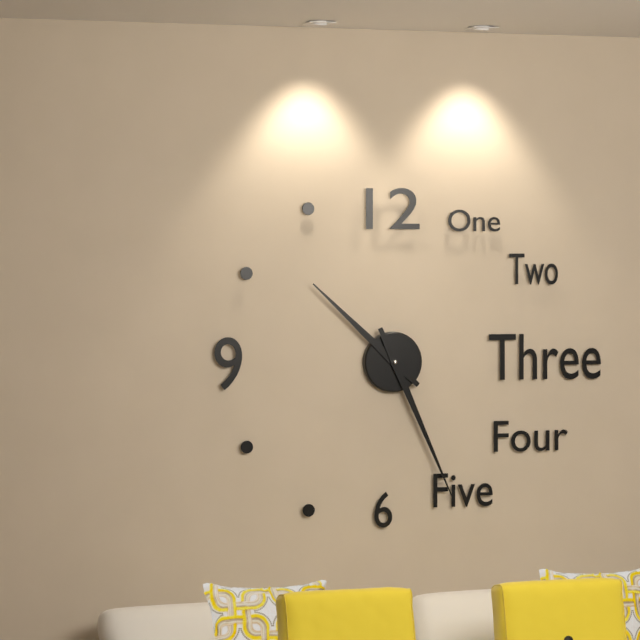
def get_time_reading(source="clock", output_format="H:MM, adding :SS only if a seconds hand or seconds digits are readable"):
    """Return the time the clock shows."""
10:26
